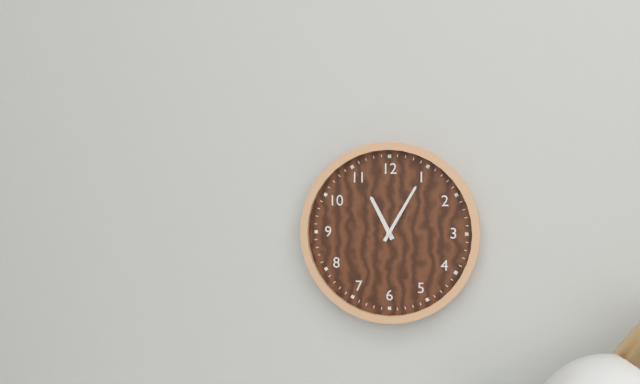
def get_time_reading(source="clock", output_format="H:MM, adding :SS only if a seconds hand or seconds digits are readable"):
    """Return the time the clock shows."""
11:05
